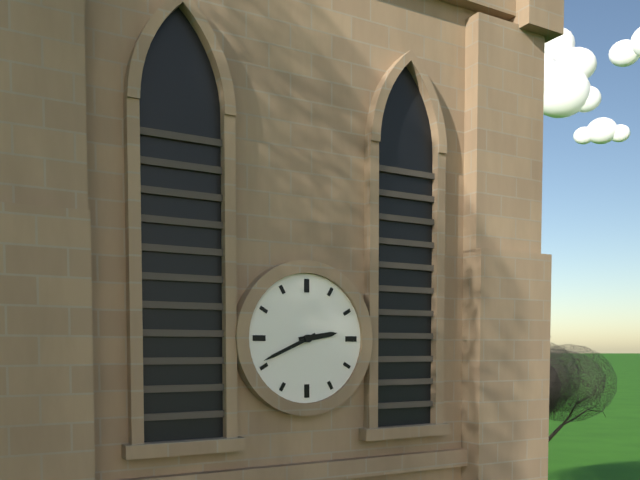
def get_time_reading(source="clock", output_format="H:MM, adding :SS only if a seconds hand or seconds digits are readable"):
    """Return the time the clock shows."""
2:41
